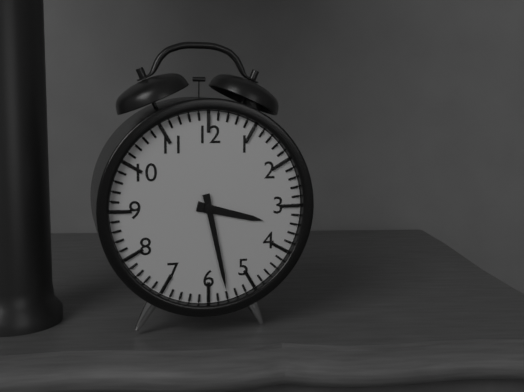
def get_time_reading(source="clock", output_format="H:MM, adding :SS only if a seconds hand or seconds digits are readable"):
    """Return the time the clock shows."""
3:28
